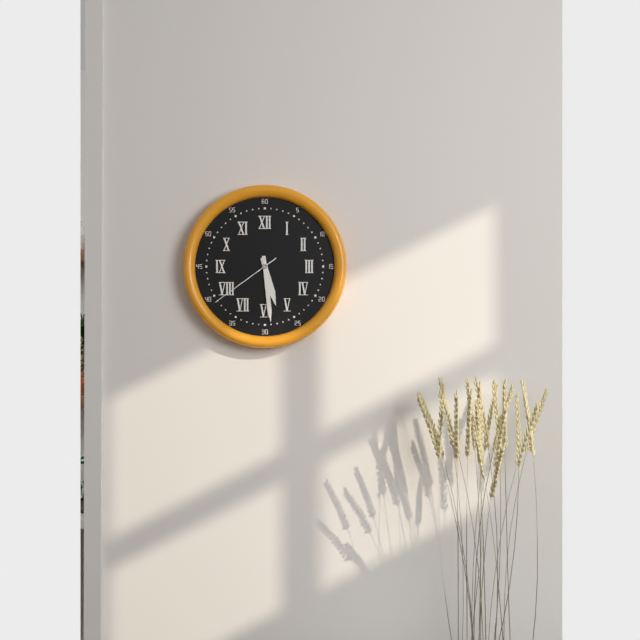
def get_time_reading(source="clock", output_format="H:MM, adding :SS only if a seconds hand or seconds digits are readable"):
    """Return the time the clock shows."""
5:29:39
